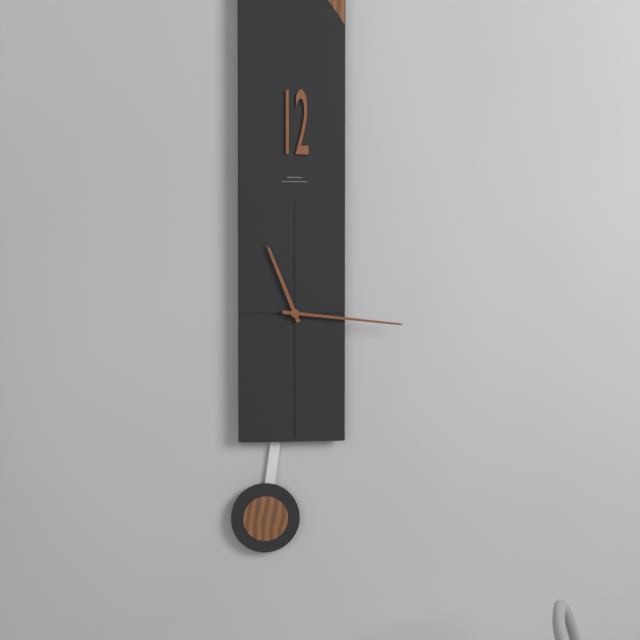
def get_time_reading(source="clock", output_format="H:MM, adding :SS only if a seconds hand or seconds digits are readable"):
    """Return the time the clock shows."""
11:16
